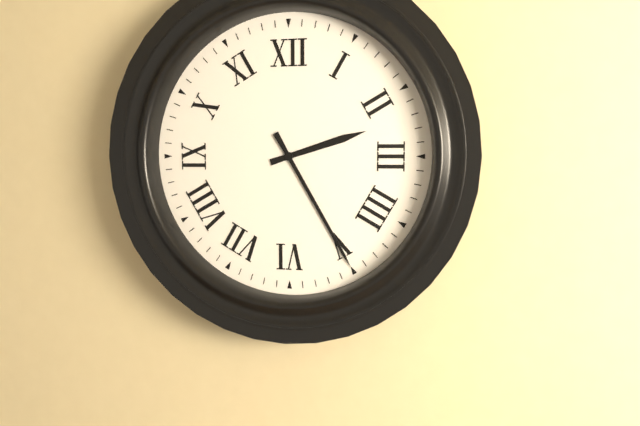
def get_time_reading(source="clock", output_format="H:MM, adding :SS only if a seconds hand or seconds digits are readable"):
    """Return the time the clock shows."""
2:25
